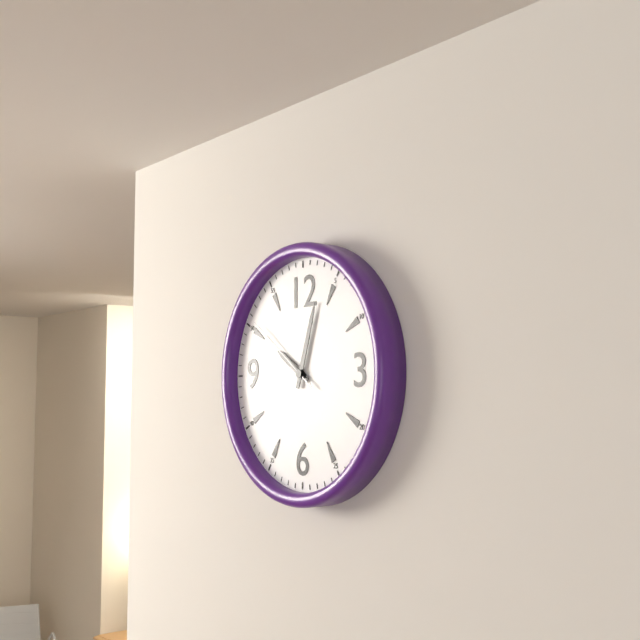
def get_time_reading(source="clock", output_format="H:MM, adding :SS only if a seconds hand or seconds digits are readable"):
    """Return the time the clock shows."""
10:03:51
